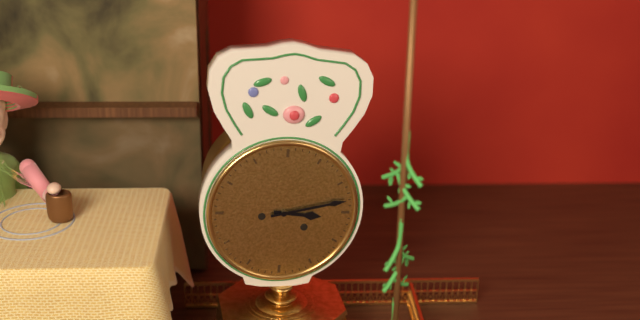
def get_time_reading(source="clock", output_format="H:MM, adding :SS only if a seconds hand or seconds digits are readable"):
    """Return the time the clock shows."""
3:13
